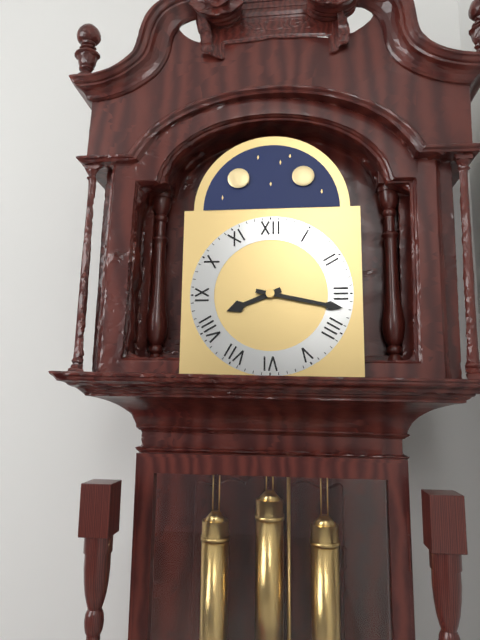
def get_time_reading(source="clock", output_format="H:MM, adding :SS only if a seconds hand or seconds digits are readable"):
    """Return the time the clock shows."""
8:17
